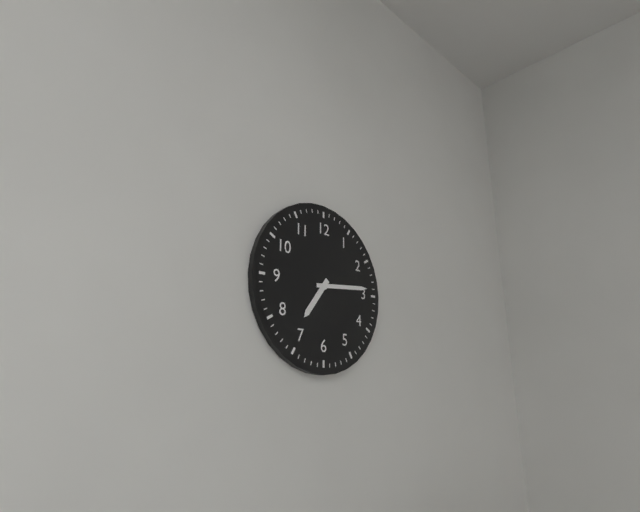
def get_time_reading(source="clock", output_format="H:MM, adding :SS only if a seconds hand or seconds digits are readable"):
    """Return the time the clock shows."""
7:14
